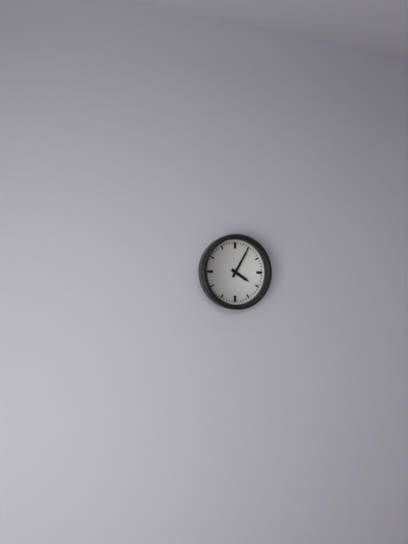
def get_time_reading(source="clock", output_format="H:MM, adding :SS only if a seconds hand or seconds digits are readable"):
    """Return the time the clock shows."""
4:05
